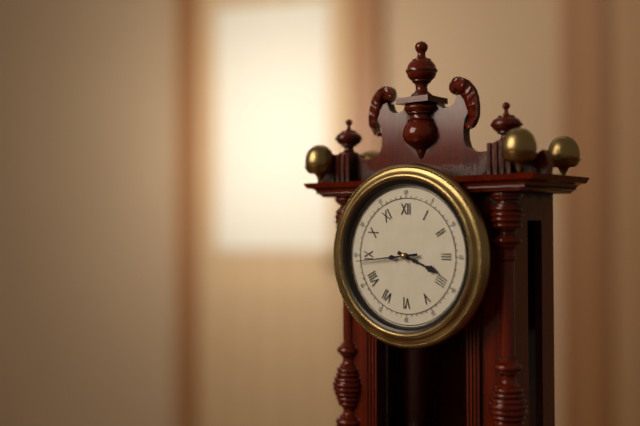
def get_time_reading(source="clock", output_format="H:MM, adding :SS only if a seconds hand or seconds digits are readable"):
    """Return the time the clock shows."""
3:44
